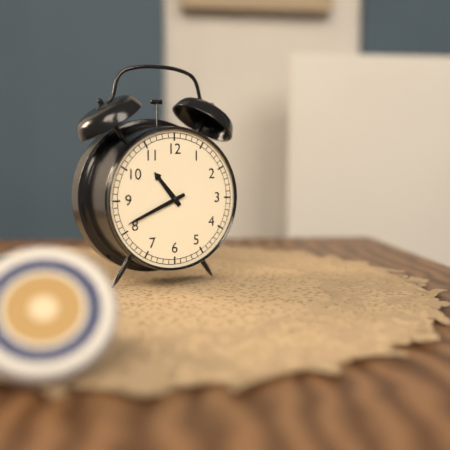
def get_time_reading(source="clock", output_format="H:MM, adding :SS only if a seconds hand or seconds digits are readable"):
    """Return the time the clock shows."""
10:41
